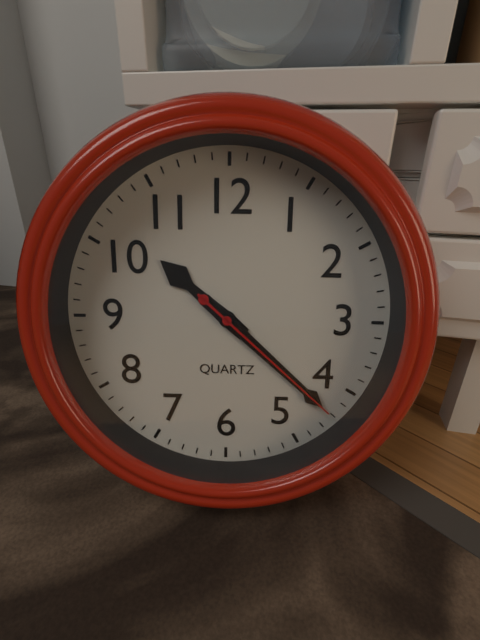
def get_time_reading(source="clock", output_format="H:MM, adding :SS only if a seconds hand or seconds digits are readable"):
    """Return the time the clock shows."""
10:22:22
